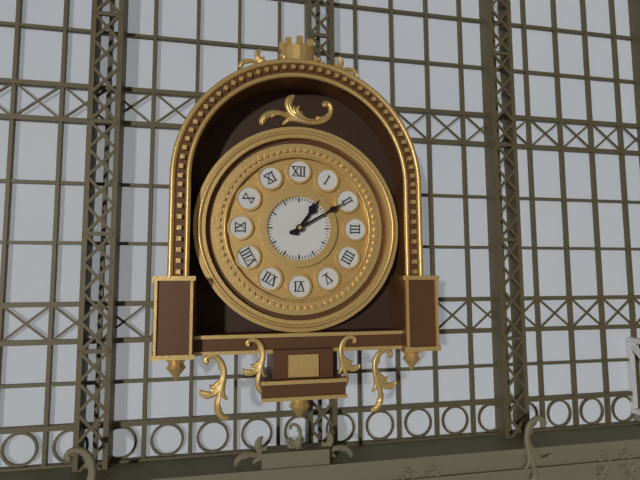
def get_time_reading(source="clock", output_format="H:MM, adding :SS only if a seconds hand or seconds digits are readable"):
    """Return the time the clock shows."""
1:10
